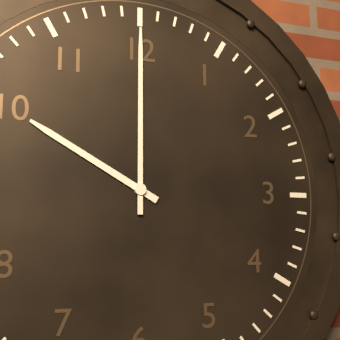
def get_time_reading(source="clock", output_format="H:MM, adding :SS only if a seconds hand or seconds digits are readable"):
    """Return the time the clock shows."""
10:00
